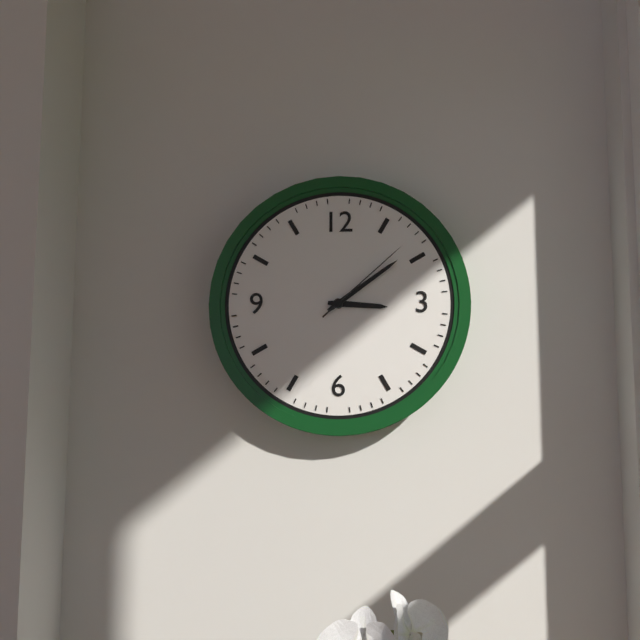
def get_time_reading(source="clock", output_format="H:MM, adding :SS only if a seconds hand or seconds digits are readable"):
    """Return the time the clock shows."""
3:09:08
